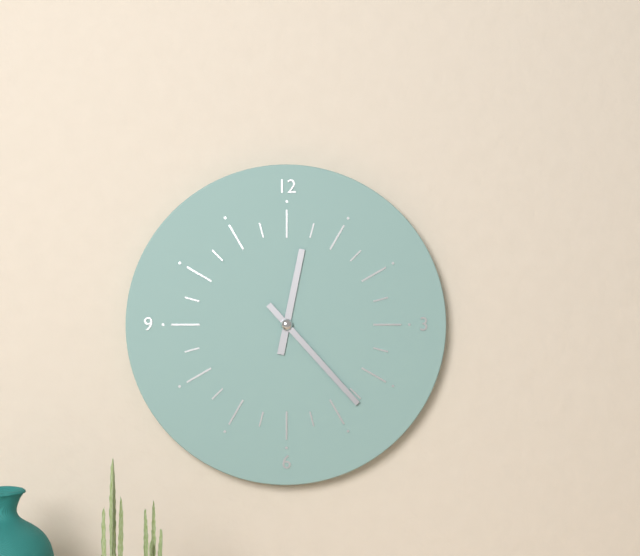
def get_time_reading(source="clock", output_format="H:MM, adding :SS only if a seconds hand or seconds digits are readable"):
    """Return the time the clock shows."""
12:23
